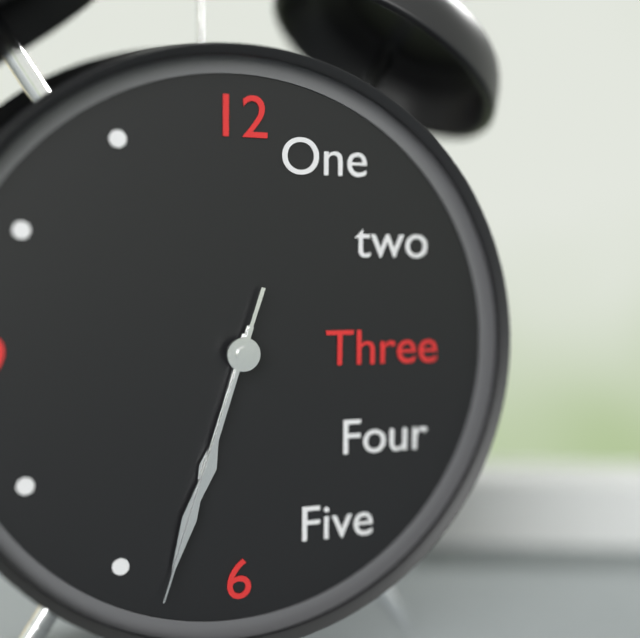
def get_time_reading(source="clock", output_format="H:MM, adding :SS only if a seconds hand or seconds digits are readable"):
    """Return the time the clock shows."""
6:33:33
